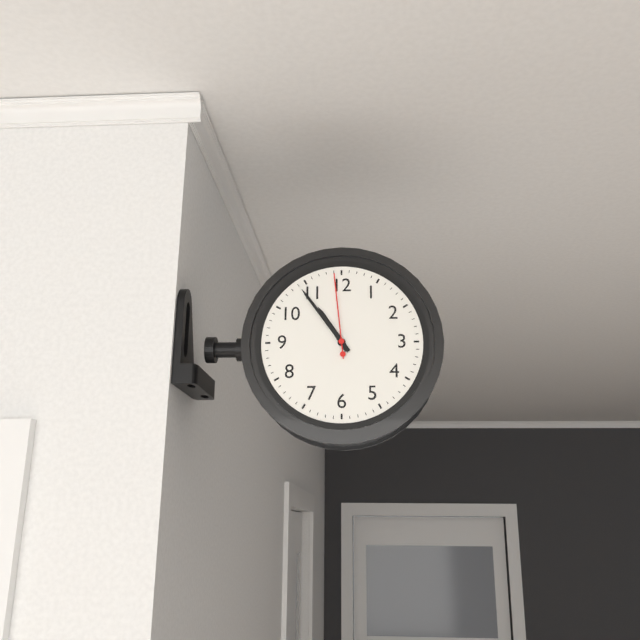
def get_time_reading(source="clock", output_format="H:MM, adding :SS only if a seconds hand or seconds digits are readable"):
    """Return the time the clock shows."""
10:54:59
